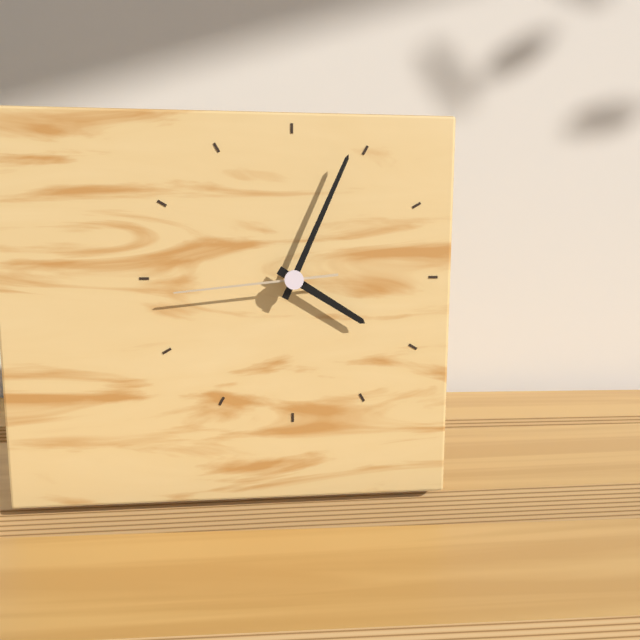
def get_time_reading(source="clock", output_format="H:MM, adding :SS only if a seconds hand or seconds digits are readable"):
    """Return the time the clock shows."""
4:04:44
